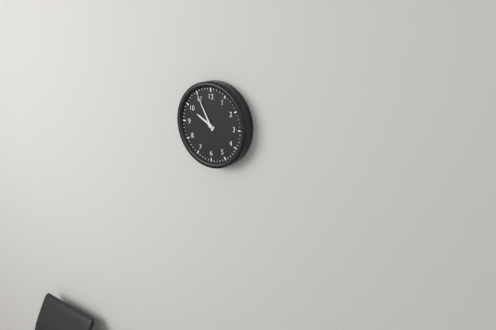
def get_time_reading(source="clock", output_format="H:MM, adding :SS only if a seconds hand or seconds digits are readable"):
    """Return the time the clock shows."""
9:55
